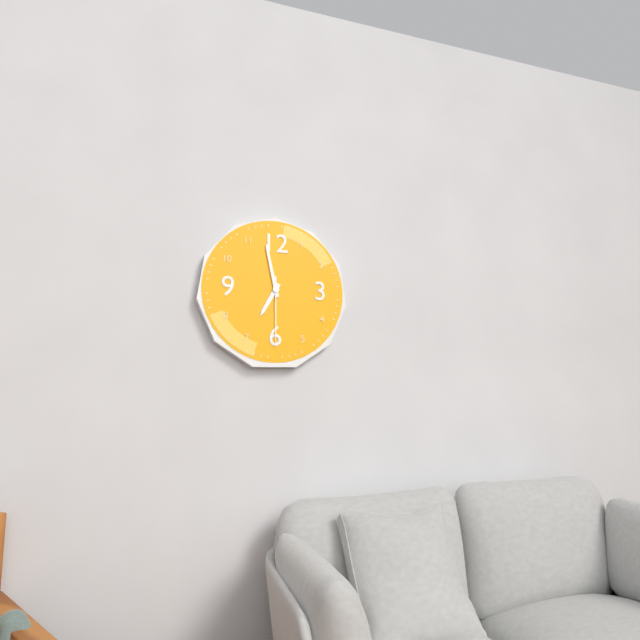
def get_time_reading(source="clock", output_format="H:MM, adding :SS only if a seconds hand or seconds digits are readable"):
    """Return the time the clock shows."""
6:58:30
